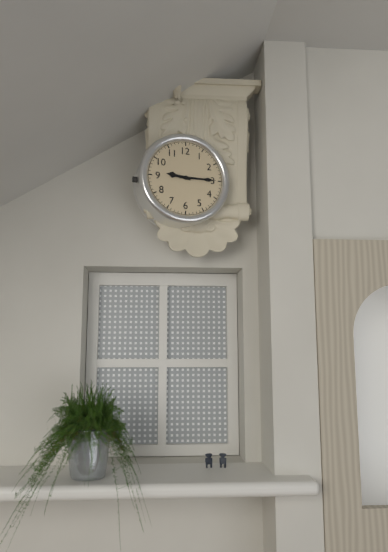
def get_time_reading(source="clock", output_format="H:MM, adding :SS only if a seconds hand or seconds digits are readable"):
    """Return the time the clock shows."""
9:15
